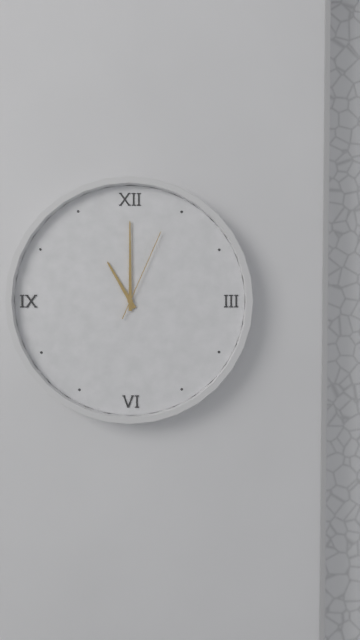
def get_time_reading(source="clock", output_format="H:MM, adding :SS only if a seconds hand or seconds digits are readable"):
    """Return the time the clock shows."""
11:00:04
